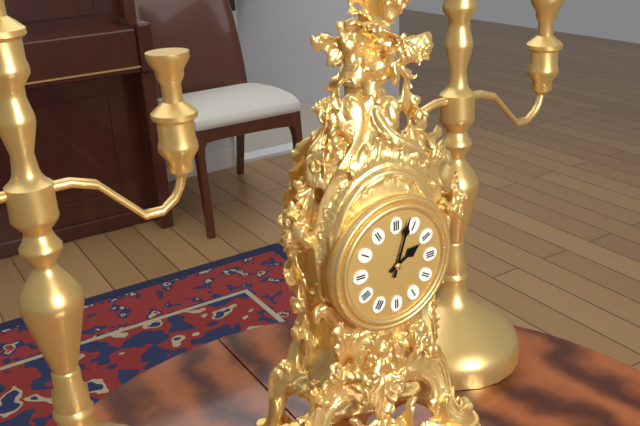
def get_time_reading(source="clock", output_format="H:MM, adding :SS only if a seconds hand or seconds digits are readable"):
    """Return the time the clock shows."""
2:03
